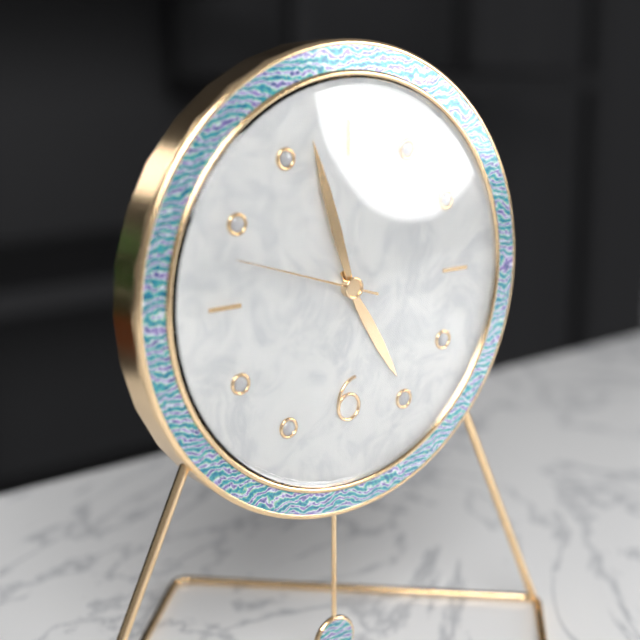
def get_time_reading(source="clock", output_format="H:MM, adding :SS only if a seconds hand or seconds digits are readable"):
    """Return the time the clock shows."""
4:57:48
